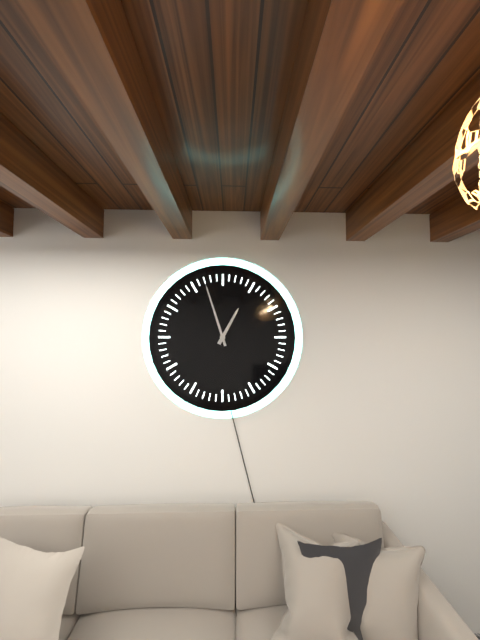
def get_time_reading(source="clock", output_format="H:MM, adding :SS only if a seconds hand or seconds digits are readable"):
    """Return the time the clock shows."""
12:57
